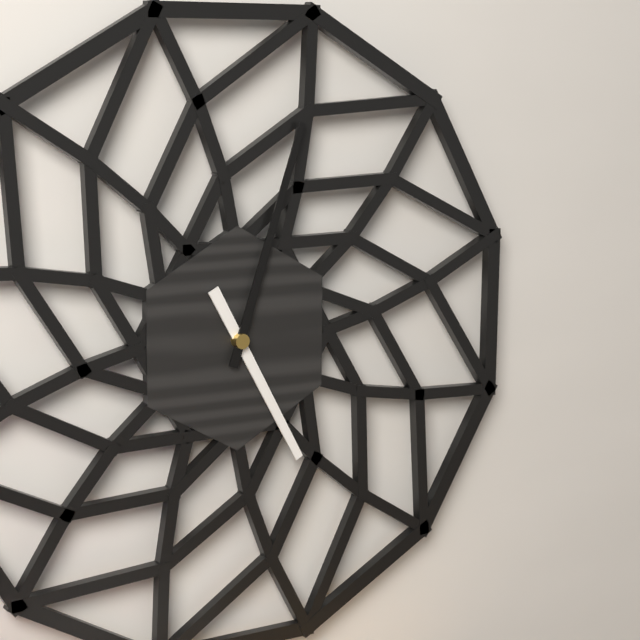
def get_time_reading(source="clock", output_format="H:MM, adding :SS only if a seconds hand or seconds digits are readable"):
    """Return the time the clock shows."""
5:03
